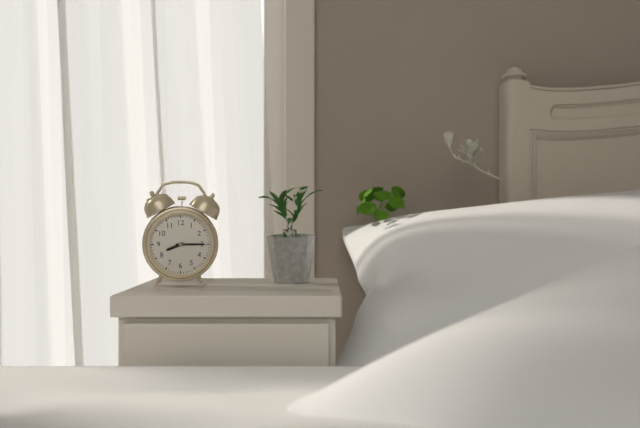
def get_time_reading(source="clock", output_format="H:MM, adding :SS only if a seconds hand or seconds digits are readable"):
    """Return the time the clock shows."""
8:15
